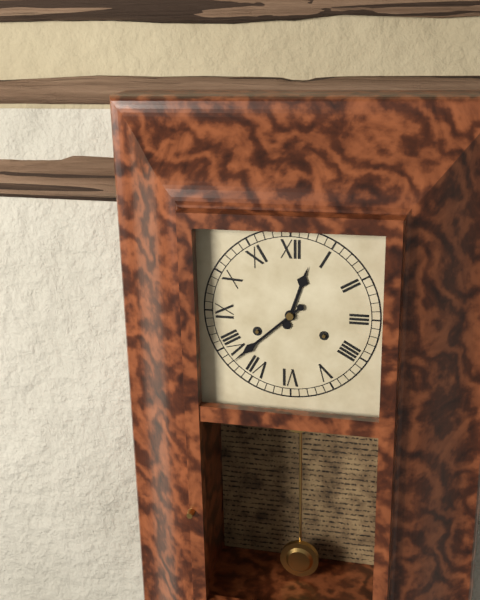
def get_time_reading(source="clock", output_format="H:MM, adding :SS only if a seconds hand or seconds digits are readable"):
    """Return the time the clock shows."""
12:38
